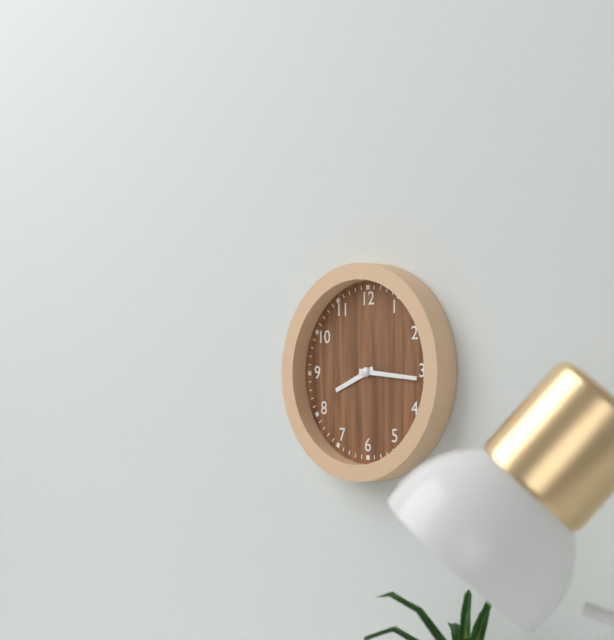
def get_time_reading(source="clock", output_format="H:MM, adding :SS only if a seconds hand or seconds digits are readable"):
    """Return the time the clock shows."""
8:16
